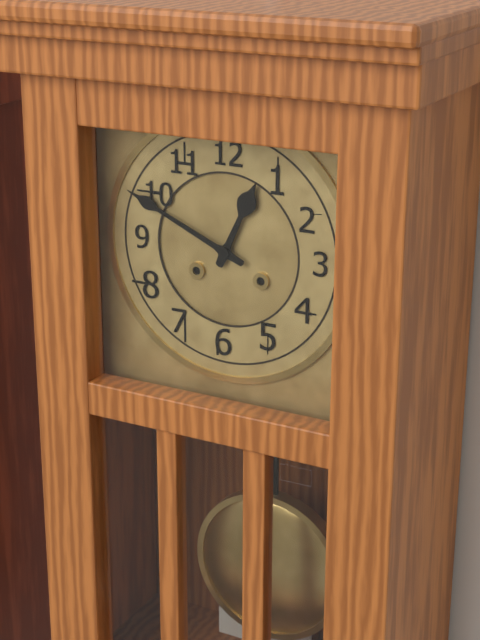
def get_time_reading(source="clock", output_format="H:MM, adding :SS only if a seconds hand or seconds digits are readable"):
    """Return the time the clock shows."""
12:49
